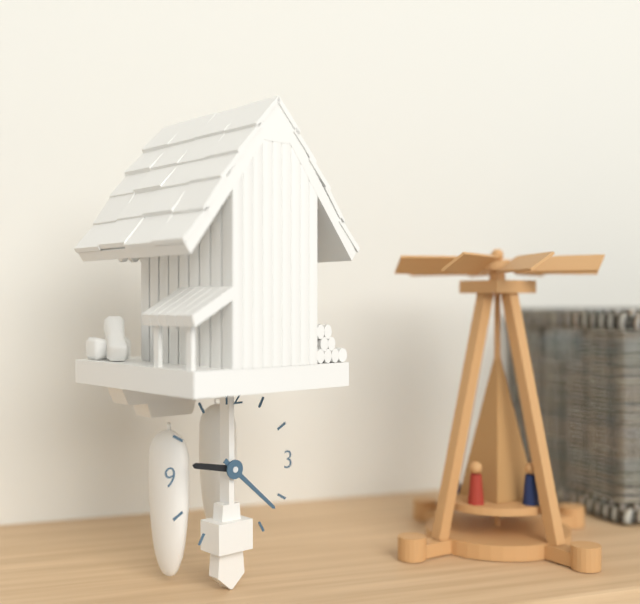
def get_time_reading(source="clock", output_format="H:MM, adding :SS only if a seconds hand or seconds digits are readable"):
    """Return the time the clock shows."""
9:22
